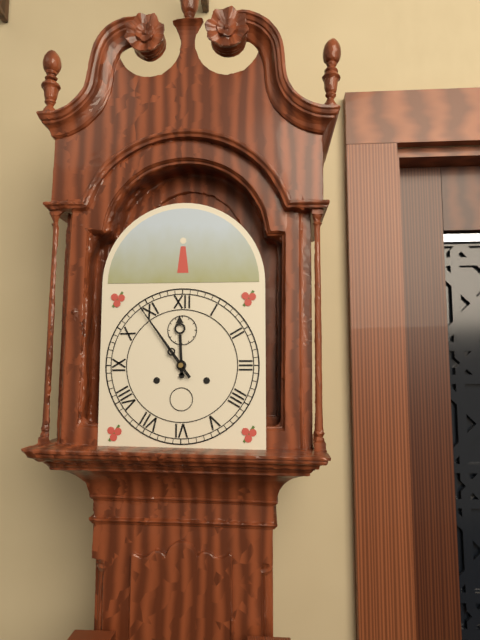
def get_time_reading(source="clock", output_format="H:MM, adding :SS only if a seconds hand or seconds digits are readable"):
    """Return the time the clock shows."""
11:54
